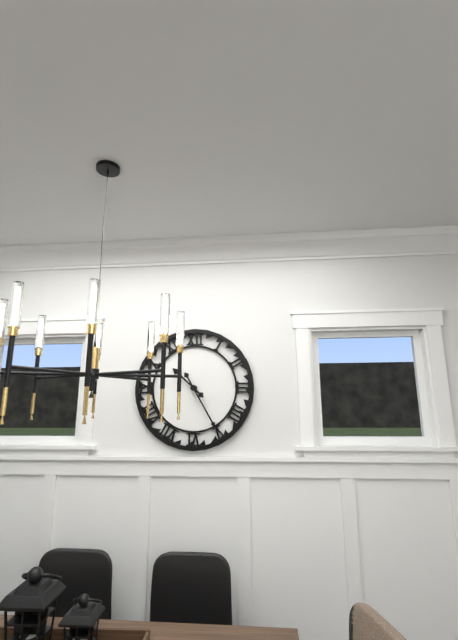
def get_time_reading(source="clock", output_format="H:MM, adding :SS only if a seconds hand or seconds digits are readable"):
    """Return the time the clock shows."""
10:25
